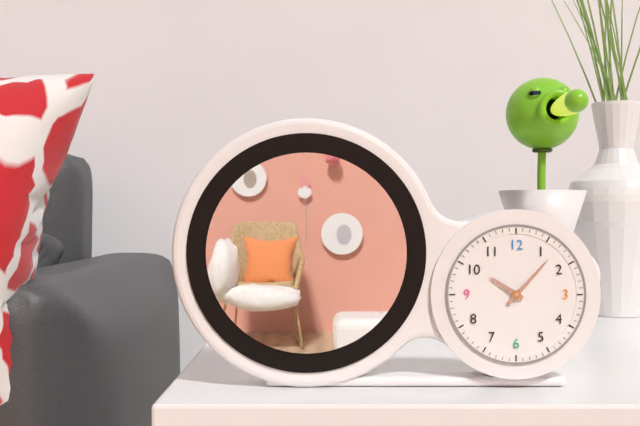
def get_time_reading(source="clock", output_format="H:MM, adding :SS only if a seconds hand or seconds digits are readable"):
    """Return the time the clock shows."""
10:07
